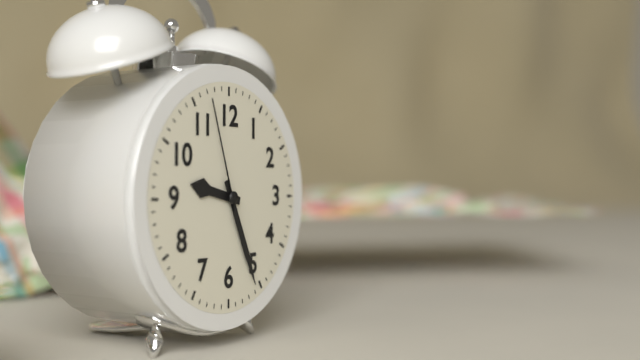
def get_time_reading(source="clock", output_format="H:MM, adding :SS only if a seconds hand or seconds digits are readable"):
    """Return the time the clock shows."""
9:26:57
